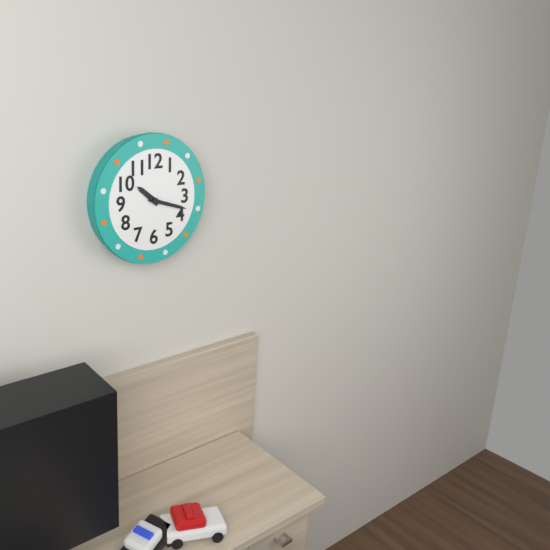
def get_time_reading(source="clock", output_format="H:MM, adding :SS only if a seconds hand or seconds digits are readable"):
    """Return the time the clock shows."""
10:18
